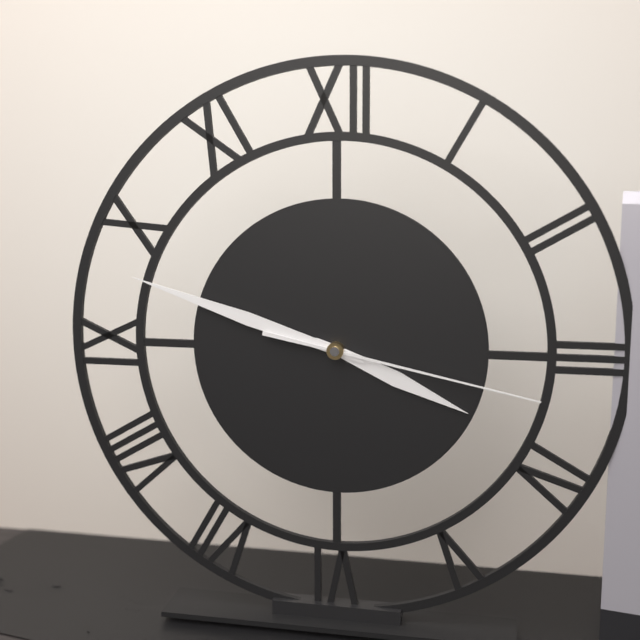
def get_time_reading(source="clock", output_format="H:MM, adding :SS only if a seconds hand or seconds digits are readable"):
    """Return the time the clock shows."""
3:48:17
